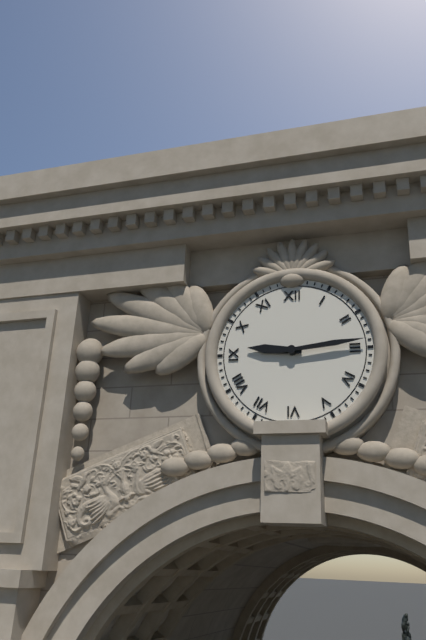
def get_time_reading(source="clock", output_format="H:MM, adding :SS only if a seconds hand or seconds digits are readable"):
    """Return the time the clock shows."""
9:14
